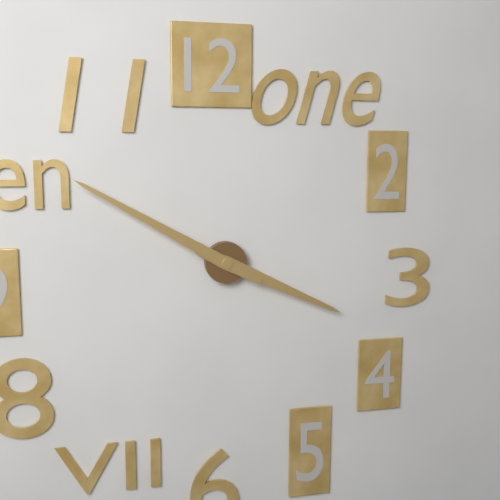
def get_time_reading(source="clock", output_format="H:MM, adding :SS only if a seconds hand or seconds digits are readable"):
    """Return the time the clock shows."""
3:50
